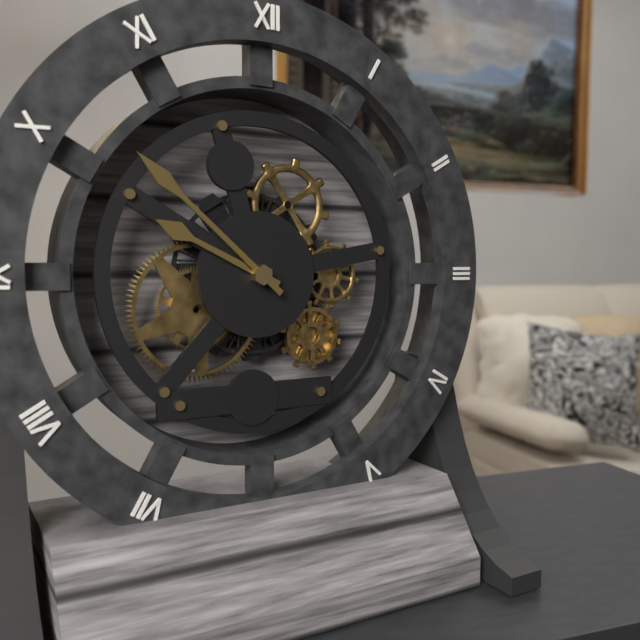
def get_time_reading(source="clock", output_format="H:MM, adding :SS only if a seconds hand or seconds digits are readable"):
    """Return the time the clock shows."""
9:52
